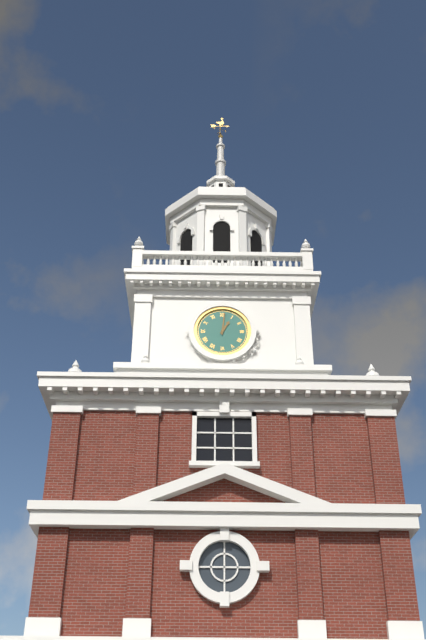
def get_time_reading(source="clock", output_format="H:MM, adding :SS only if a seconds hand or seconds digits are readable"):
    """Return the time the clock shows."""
1:01
